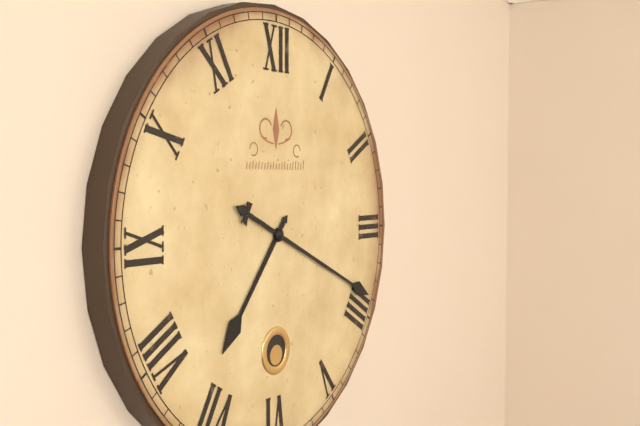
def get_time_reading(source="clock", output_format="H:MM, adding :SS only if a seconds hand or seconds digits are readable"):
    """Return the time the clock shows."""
7:19
